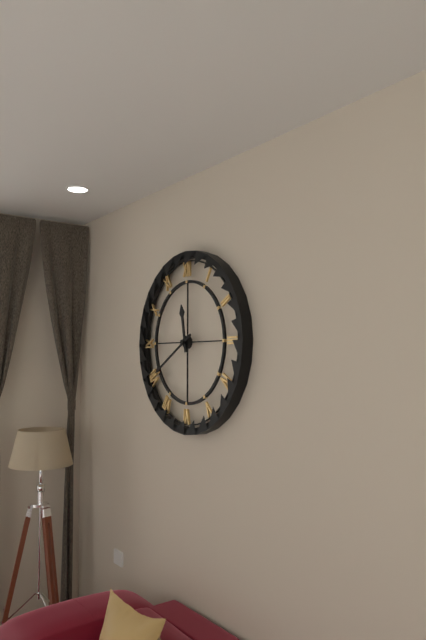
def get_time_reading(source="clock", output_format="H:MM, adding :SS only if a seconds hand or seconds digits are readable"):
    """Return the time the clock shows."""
11:40
